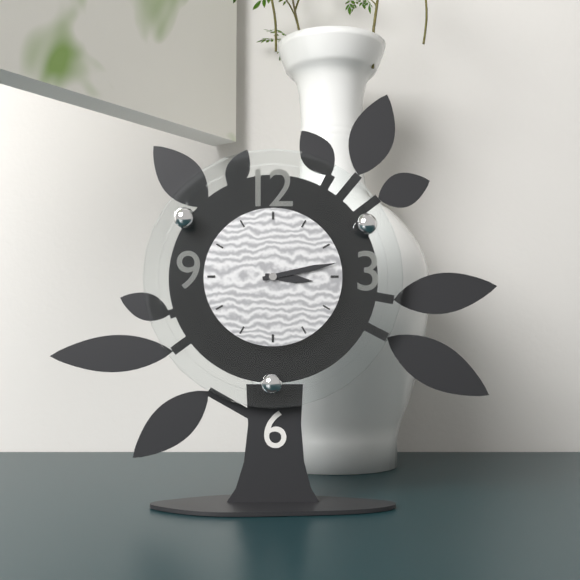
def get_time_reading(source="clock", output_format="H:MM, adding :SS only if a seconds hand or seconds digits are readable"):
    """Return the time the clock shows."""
3:13
